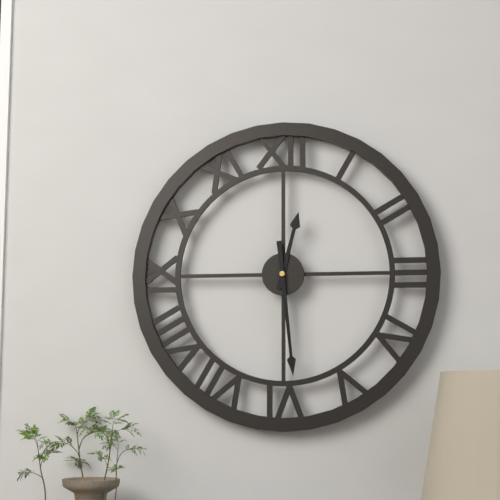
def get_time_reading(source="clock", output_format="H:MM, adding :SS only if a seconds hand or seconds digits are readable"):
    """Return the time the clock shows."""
12:29
